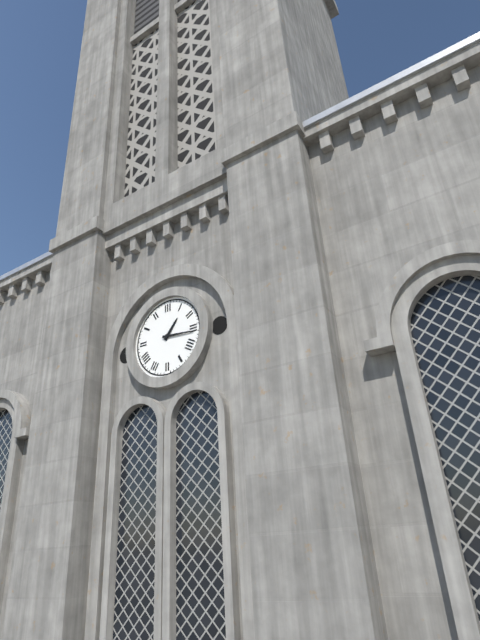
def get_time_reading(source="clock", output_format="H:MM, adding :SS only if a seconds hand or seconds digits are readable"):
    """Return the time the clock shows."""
1:16
